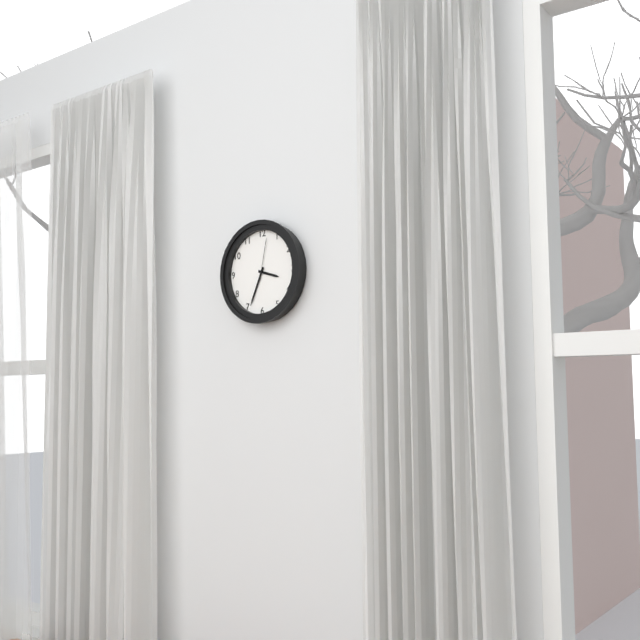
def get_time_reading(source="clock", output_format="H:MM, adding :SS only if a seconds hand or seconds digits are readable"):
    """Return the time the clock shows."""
3:34
